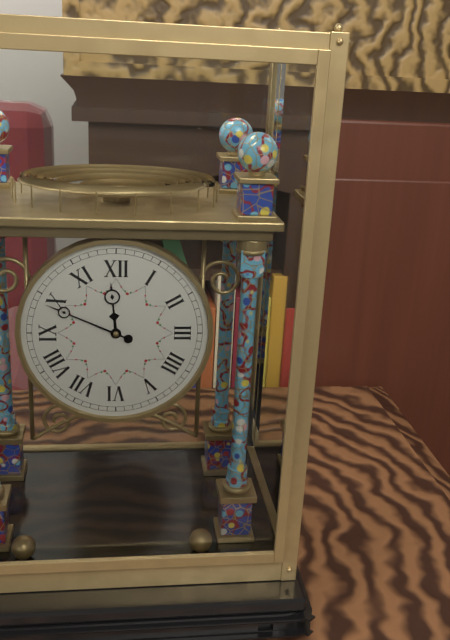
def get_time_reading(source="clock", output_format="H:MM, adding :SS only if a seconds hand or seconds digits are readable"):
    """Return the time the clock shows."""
11:49
